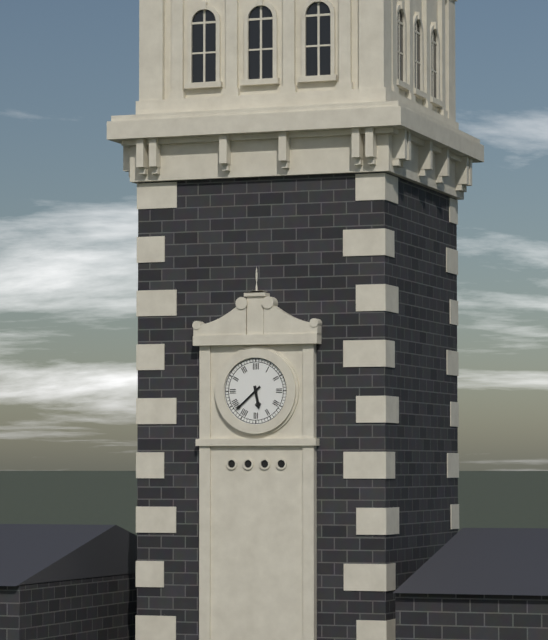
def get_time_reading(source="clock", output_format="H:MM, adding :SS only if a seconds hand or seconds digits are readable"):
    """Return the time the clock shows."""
5:38
